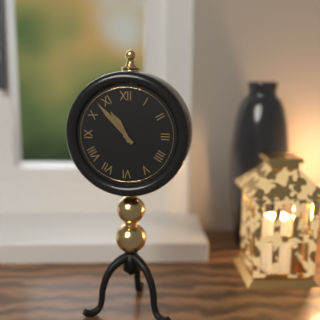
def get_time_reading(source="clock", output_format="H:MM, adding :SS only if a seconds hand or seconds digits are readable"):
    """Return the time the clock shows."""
10:53
